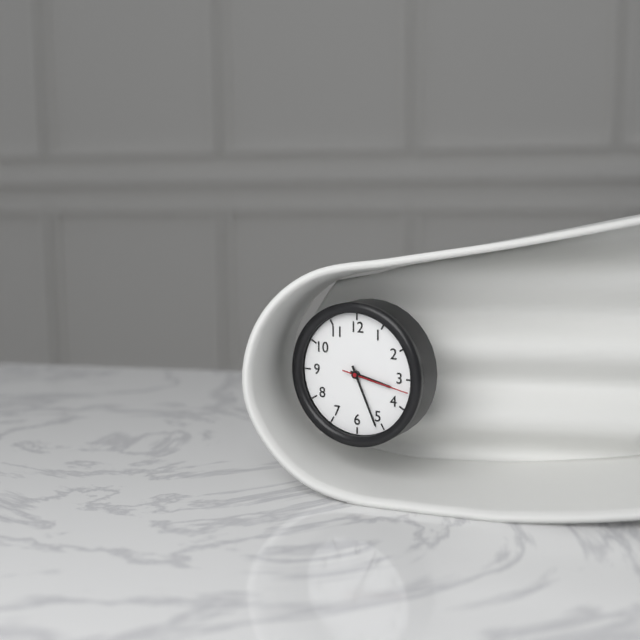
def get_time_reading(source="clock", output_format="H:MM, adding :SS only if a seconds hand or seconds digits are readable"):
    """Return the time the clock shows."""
3:26:17
